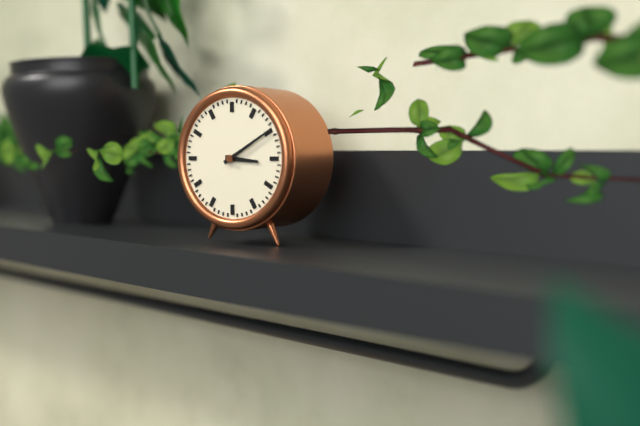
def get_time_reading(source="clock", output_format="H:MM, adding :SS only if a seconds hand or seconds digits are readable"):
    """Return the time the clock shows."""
3:10
